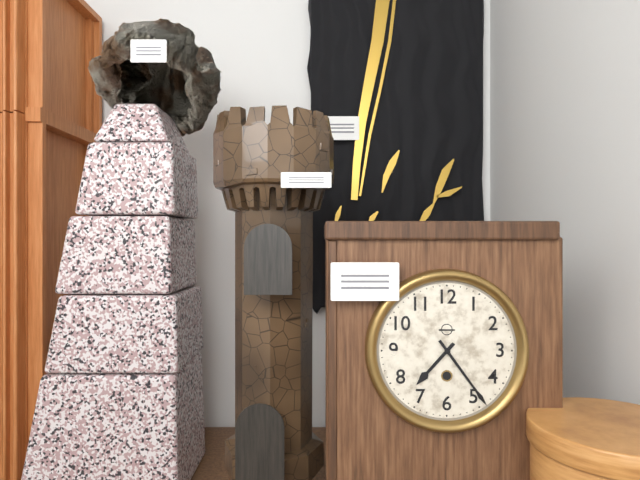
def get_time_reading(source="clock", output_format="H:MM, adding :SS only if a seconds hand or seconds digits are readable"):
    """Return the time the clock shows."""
7:24
